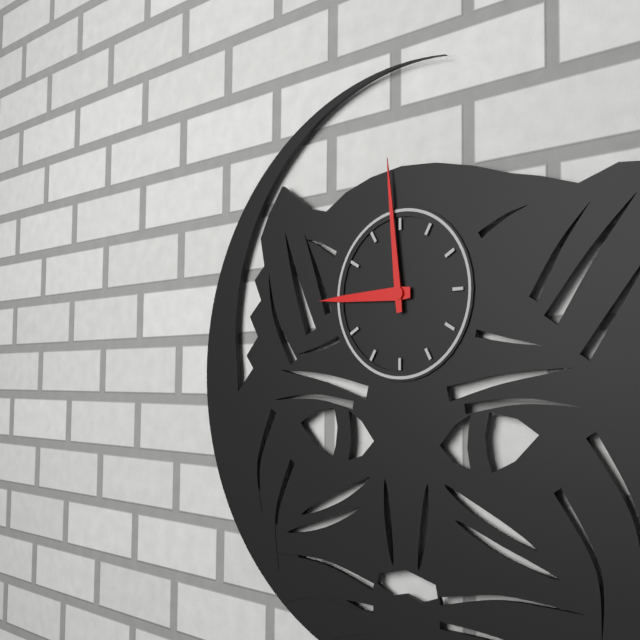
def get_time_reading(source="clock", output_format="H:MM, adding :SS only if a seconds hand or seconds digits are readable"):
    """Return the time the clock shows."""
8:59
